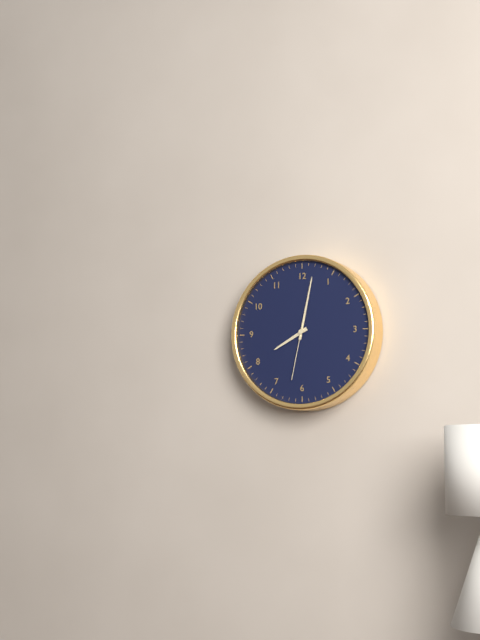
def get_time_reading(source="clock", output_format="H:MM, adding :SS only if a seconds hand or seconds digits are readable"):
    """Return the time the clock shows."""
8:02:32
